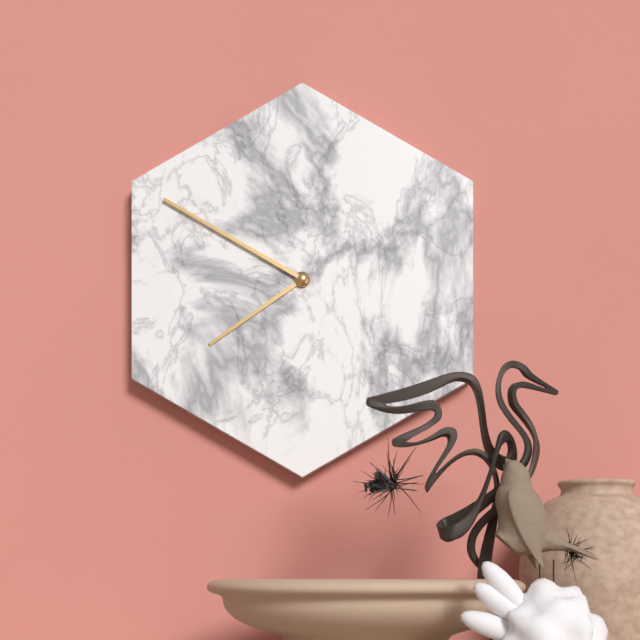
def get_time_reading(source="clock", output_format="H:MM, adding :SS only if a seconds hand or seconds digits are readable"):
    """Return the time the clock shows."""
7:50
